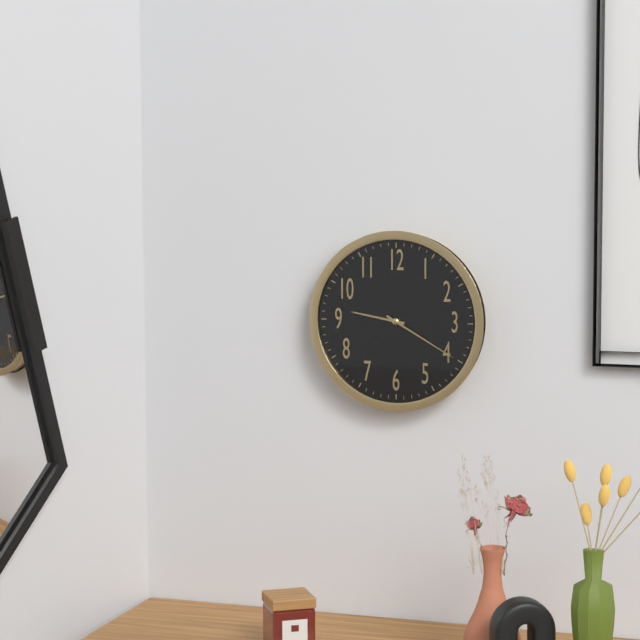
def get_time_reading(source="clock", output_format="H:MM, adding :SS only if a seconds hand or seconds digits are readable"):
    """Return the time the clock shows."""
9:20
